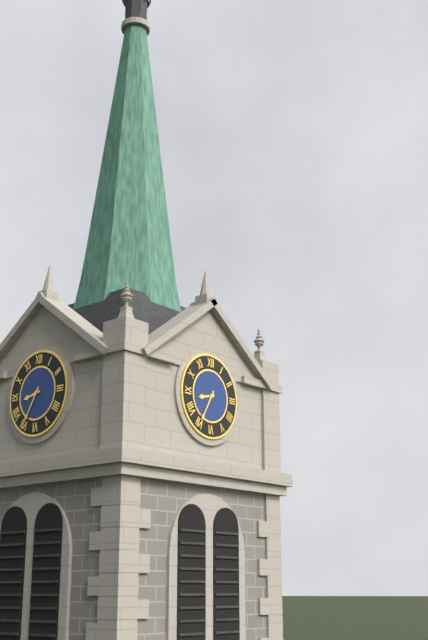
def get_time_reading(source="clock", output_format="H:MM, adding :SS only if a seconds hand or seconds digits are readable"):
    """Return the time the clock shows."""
8:35
